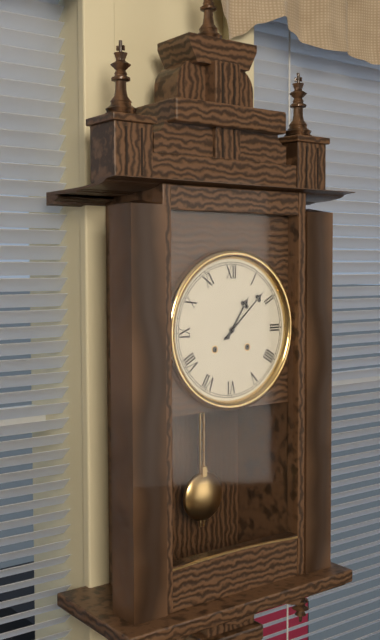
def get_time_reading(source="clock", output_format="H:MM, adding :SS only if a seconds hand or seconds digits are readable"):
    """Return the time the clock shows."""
1:08
